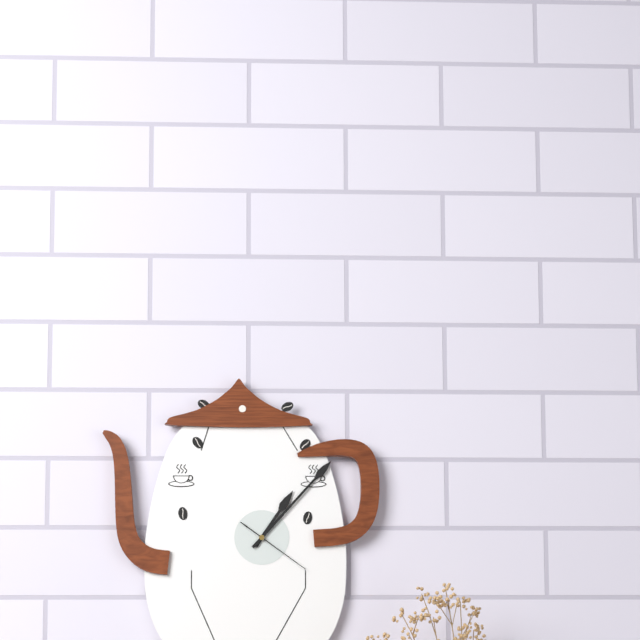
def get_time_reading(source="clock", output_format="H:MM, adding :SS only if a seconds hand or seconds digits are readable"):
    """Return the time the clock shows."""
1:07:21
